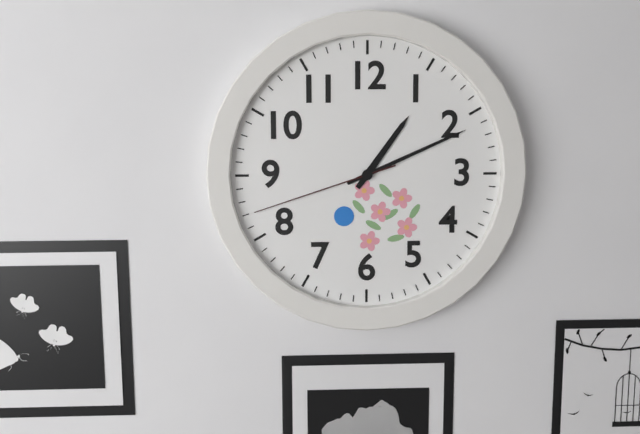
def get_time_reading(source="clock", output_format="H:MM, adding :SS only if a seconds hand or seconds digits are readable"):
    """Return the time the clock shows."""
1:11:42
